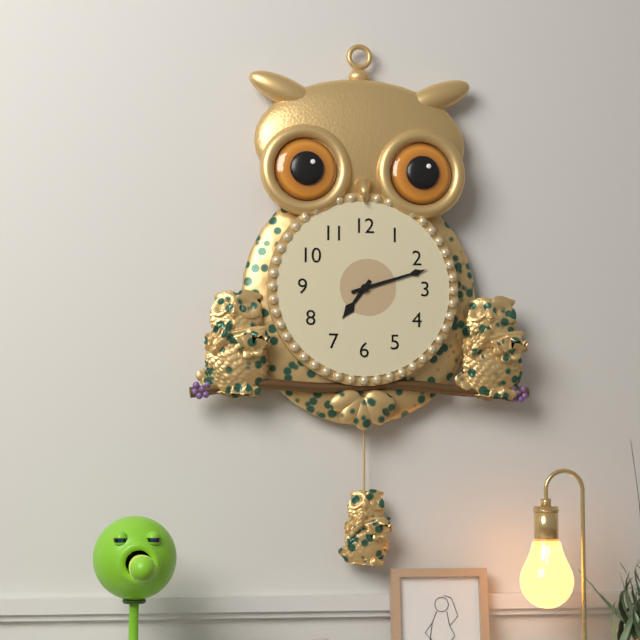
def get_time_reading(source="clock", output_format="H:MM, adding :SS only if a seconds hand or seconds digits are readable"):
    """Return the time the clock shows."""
7:12
